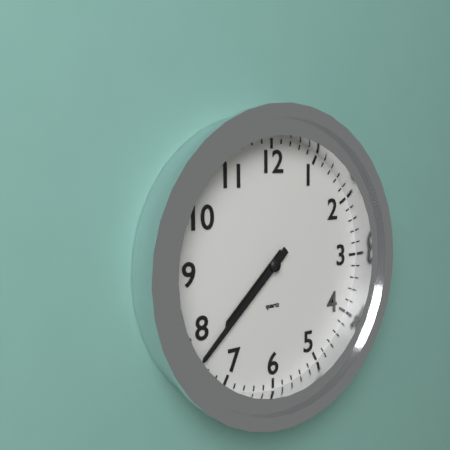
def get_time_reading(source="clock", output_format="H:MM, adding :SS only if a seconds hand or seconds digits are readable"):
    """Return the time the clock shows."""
7:38
